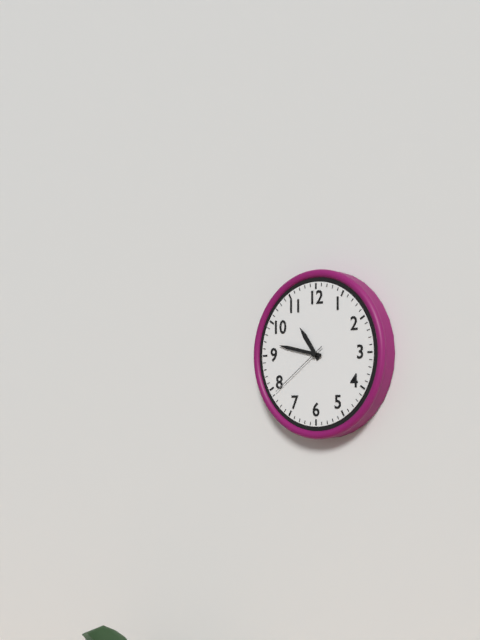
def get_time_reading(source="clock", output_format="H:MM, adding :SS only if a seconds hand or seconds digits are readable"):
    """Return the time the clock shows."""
10:47:39
